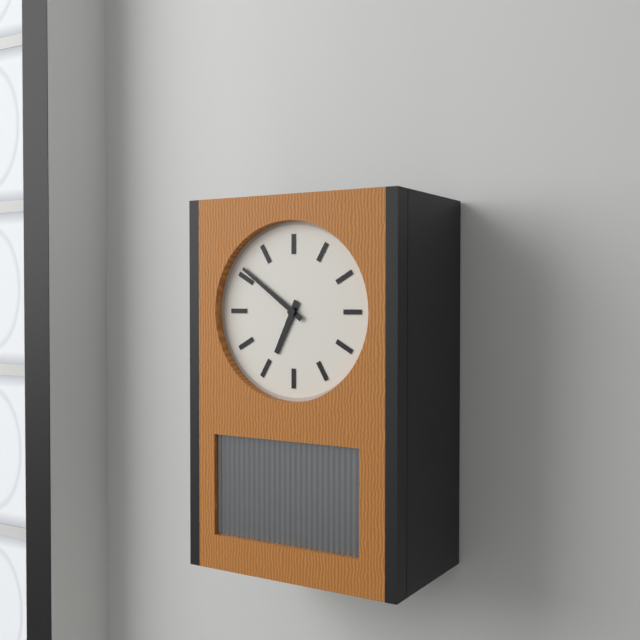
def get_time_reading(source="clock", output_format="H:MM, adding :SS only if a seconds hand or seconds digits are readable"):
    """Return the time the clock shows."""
6:51
